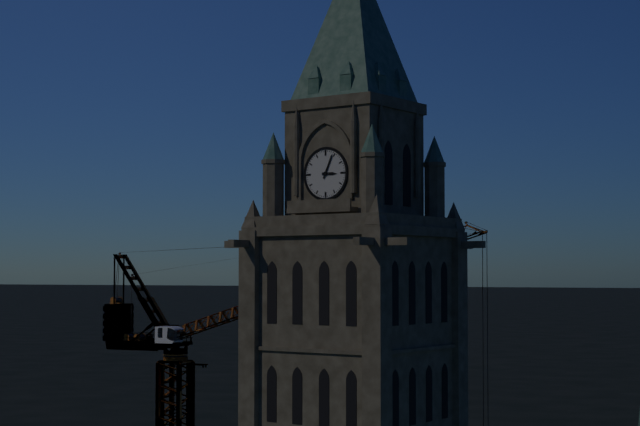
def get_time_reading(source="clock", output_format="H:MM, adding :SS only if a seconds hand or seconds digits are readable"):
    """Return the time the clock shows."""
3:04
